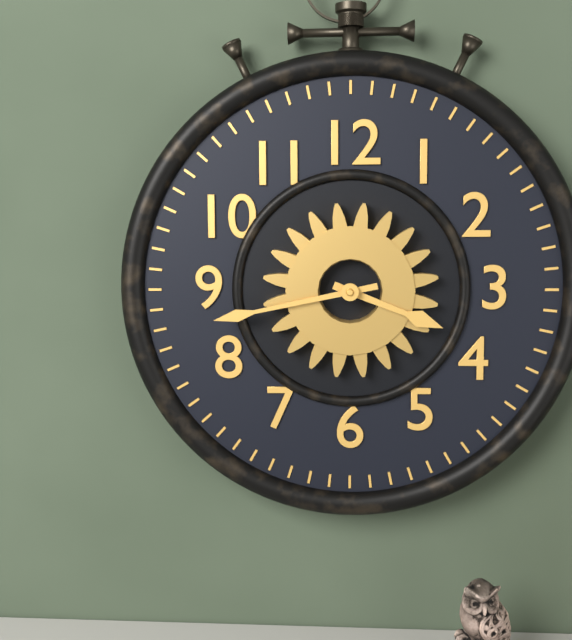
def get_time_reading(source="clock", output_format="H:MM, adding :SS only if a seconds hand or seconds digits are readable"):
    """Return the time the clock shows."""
3:43
